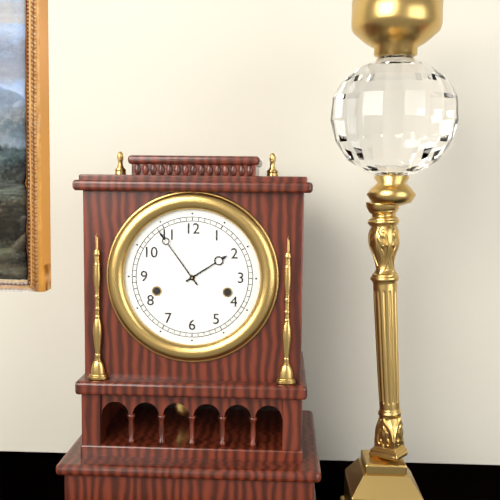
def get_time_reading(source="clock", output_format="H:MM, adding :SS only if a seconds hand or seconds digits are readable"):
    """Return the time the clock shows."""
1:54
